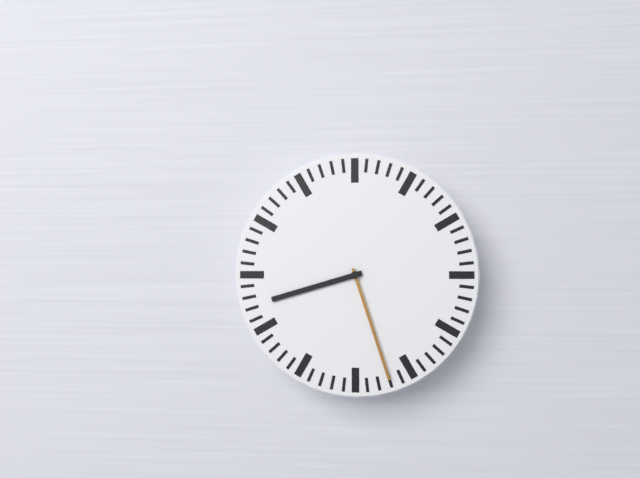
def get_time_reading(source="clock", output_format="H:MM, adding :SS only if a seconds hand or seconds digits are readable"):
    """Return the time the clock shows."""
8:27
